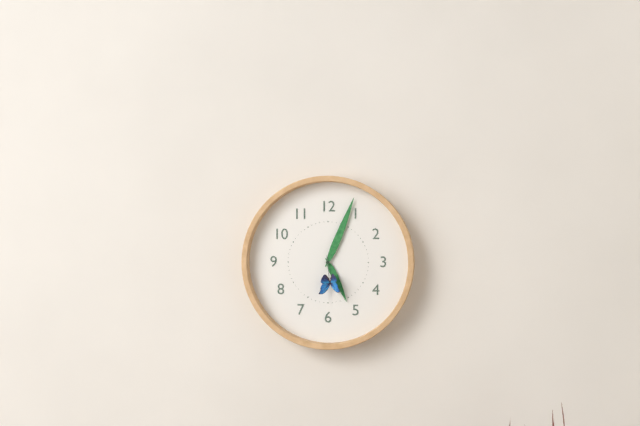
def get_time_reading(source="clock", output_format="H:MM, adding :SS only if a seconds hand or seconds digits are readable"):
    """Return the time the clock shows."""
5:04
